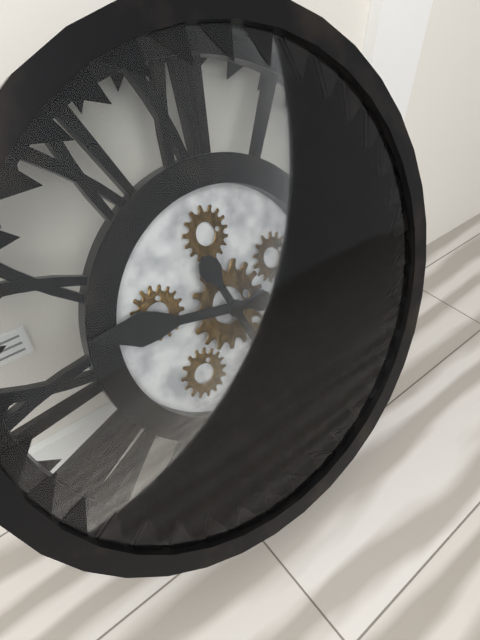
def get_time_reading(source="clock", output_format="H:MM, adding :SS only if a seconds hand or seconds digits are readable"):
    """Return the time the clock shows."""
9:27
